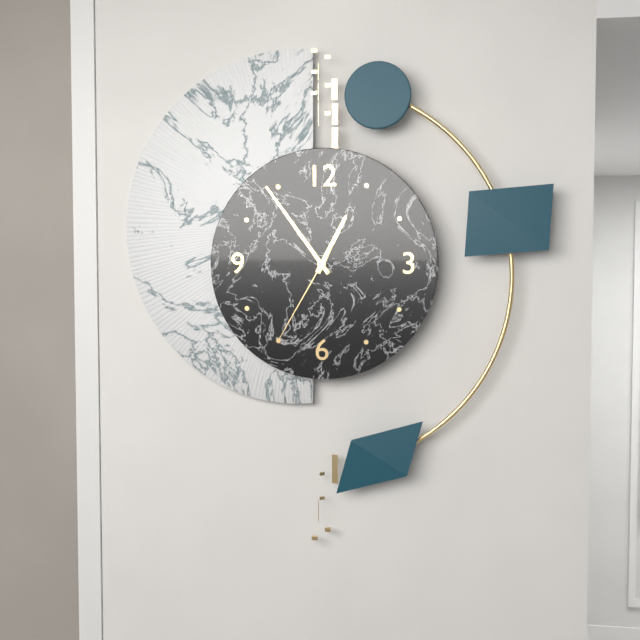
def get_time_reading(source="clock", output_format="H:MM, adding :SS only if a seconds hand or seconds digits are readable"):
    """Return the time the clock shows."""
12:54:35
